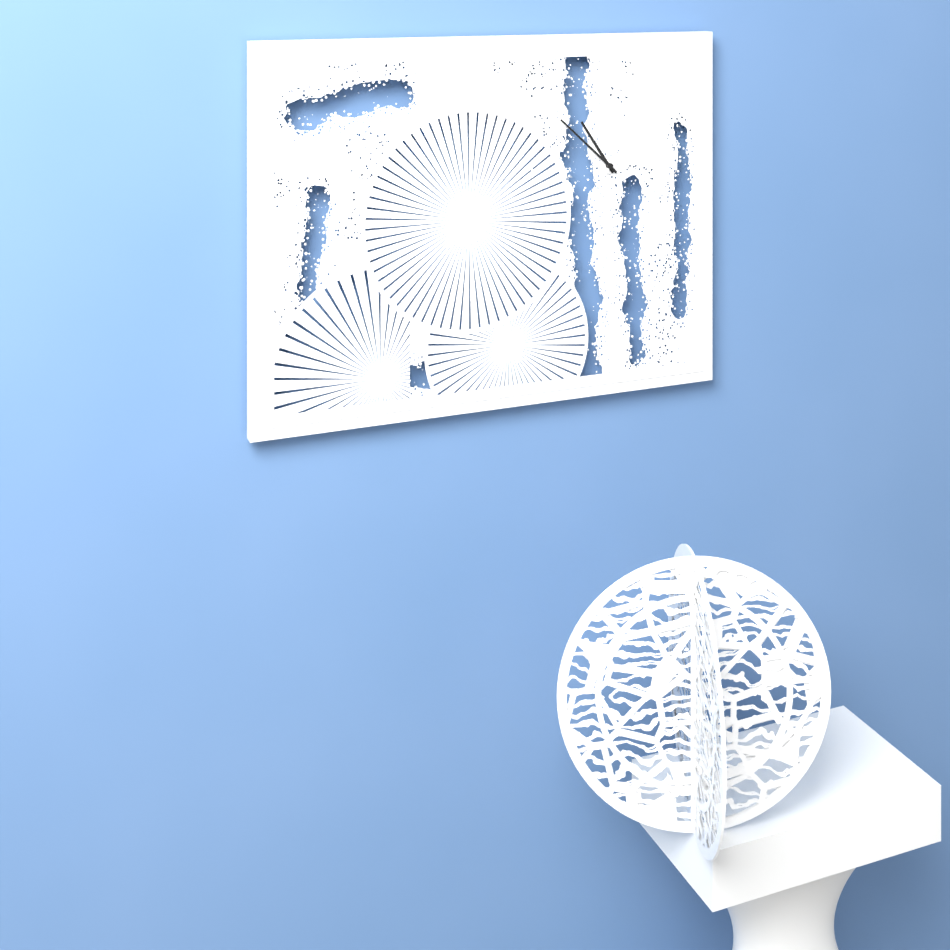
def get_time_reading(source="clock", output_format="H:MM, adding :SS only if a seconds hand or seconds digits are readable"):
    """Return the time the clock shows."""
10:52:06
